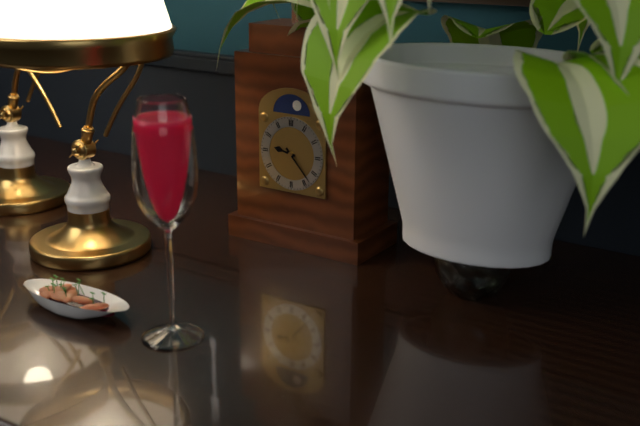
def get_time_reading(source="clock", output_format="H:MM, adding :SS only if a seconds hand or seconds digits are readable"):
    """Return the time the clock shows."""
9:23
